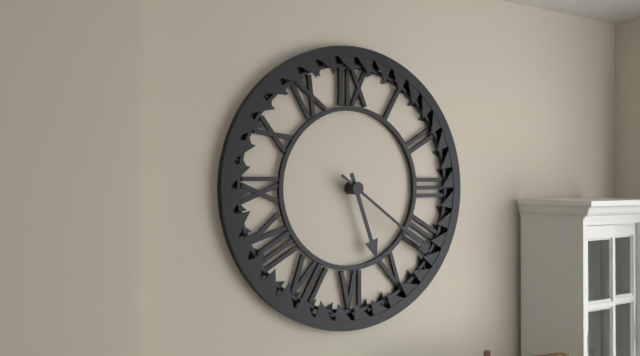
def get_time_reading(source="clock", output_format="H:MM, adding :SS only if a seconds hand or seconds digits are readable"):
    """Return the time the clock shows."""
5:21
